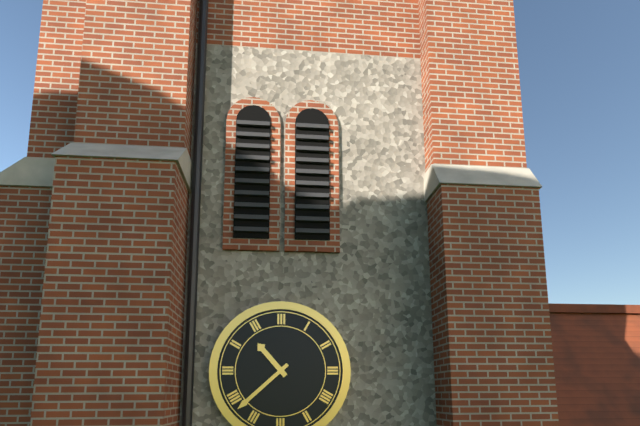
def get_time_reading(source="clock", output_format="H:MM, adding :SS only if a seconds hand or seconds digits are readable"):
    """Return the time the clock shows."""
10:38
